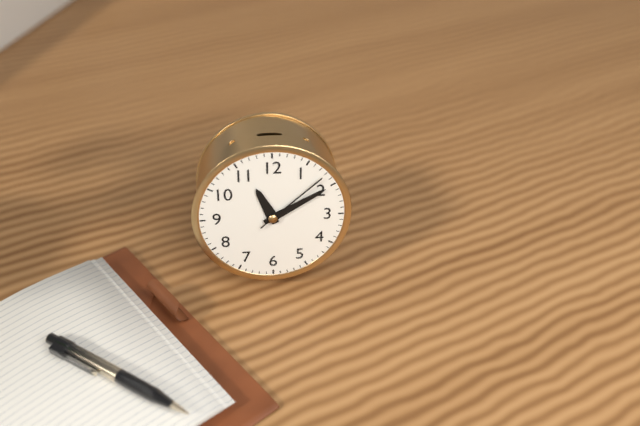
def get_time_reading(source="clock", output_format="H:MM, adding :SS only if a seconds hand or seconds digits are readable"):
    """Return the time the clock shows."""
11:10:08
